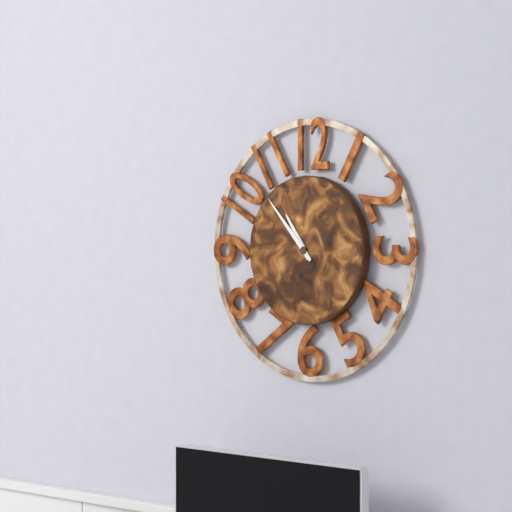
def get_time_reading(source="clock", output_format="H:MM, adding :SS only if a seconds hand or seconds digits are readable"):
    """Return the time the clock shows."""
10:53
